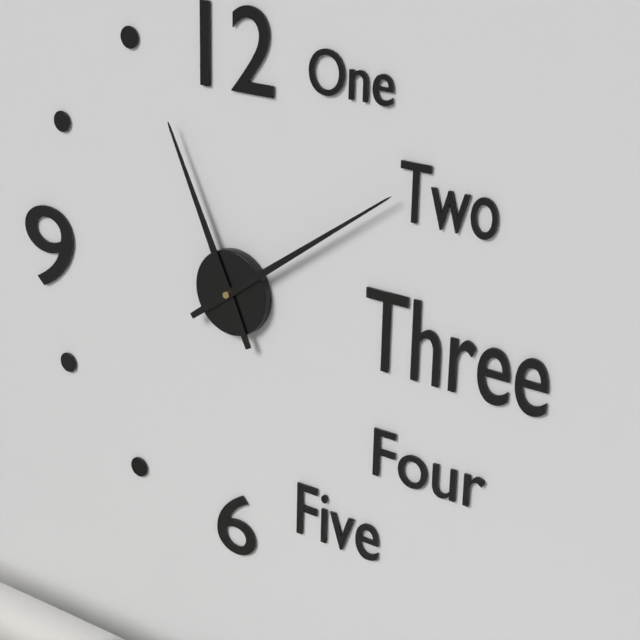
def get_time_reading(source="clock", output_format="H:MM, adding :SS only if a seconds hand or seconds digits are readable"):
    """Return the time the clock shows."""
11:09
